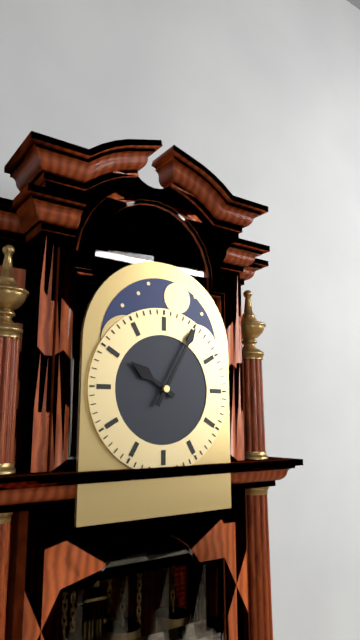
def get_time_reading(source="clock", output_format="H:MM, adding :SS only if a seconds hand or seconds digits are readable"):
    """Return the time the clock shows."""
10:05
